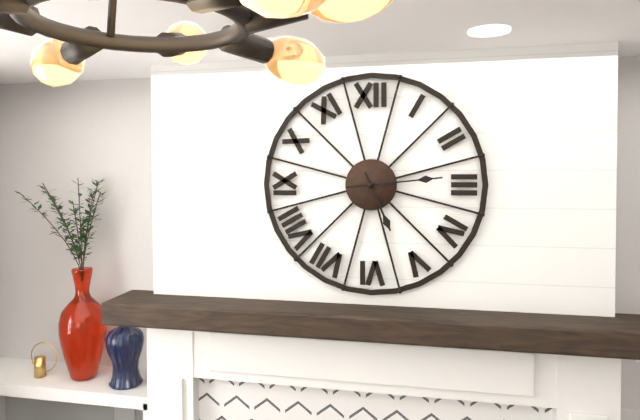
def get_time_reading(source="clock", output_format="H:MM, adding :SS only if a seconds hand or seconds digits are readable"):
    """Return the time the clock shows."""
5:14
